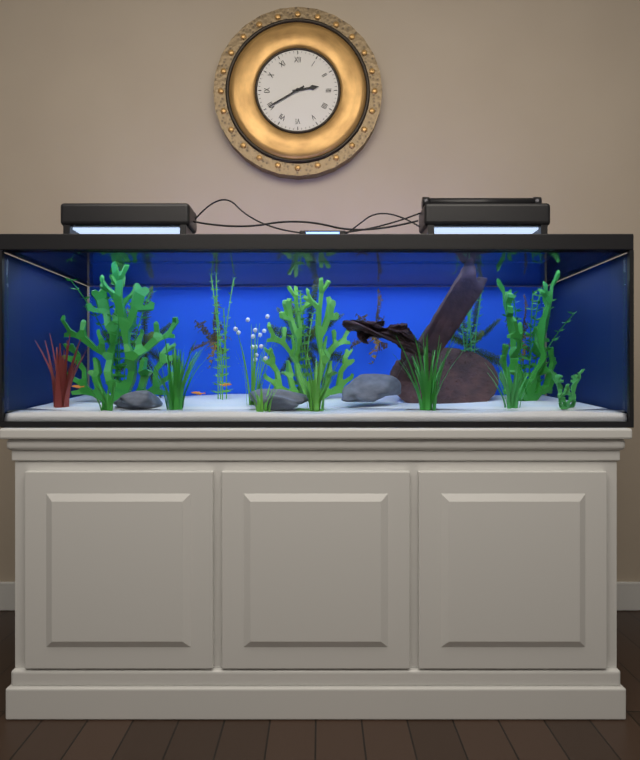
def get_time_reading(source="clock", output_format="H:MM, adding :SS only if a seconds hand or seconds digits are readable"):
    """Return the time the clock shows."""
2:40
